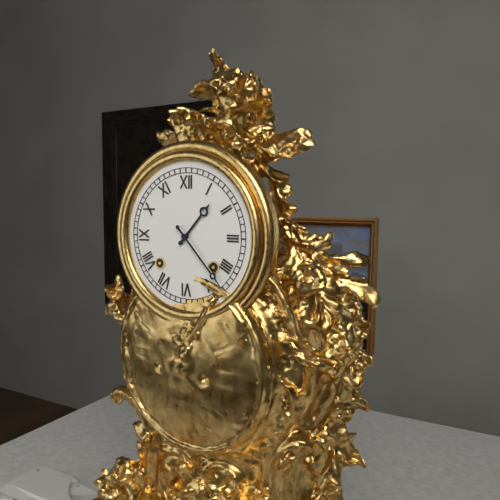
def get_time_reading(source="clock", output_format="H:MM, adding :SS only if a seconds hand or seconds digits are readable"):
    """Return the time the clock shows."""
1:23
